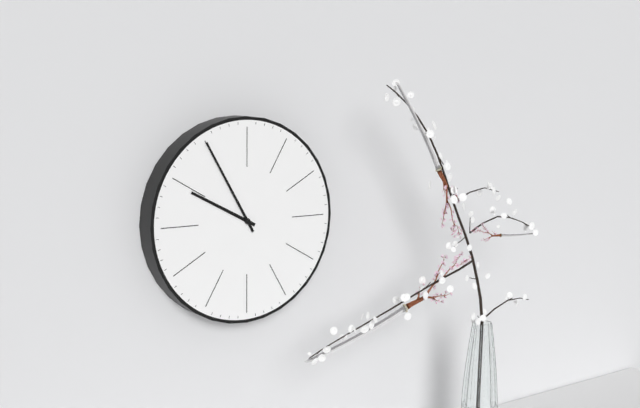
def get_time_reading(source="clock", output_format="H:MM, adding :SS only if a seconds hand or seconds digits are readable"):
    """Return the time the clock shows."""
9:55
